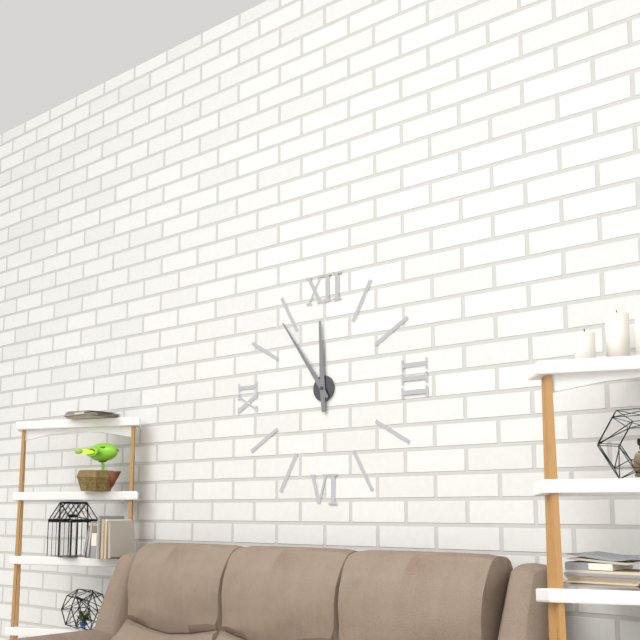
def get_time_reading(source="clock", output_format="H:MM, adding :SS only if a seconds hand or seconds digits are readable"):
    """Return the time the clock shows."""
11:54
